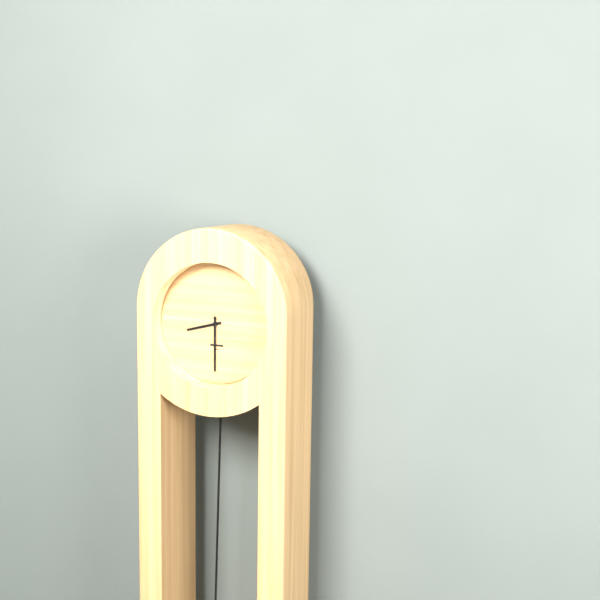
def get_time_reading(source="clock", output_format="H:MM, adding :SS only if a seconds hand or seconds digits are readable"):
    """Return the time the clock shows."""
8:30
